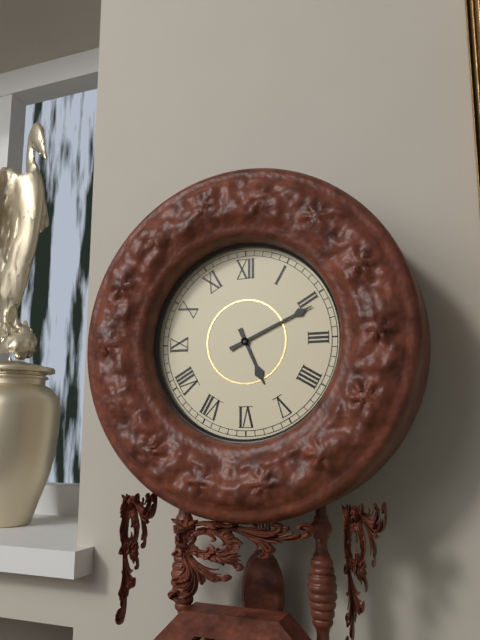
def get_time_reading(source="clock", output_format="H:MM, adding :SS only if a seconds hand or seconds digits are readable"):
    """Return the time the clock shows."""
5:11
